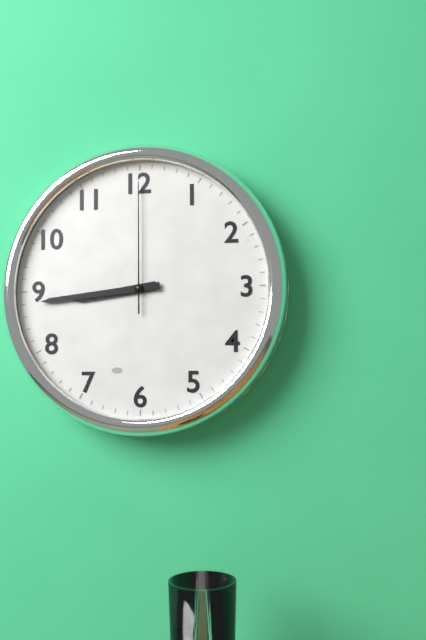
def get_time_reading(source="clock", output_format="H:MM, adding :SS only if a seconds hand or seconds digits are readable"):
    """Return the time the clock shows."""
8:44:00
